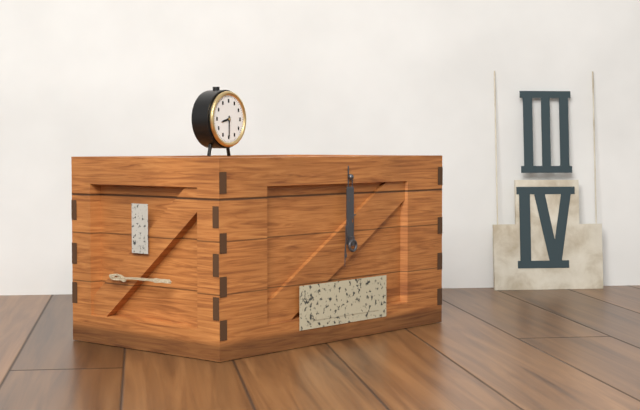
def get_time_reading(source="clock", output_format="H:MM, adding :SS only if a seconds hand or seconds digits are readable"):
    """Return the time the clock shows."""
8:30
